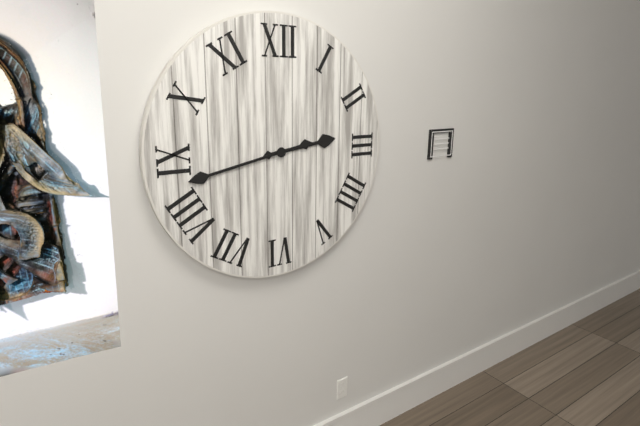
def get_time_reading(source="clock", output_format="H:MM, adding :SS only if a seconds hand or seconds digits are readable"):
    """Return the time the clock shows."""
2:43
